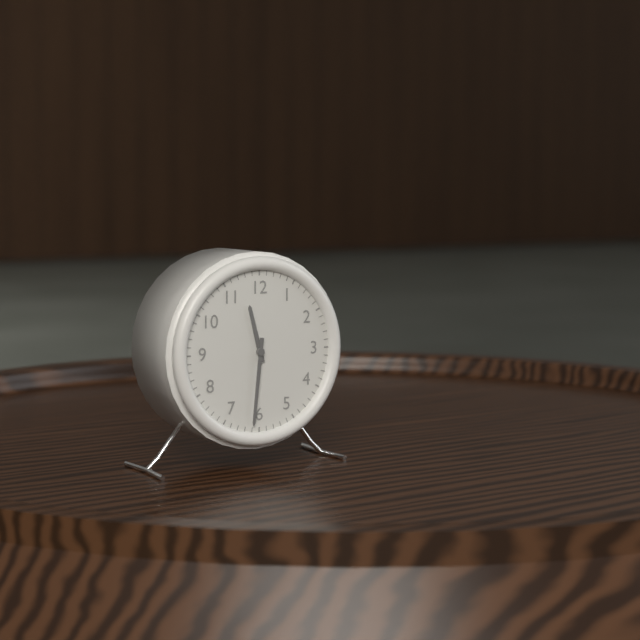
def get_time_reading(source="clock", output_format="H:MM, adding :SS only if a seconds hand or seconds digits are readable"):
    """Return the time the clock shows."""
11:31
